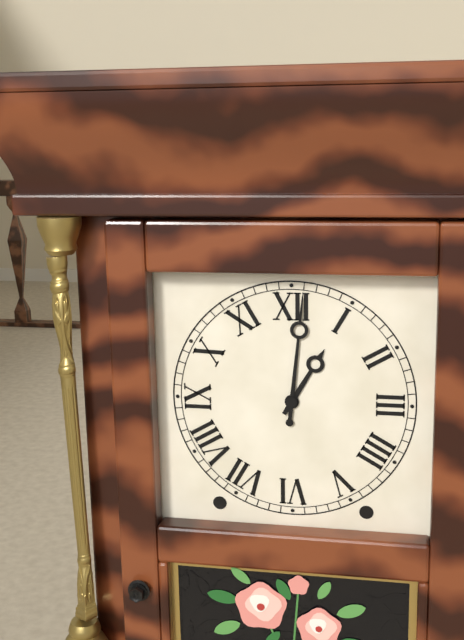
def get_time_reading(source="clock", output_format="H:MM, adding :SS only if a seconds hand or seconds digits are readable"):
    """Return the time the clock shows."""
1:01
